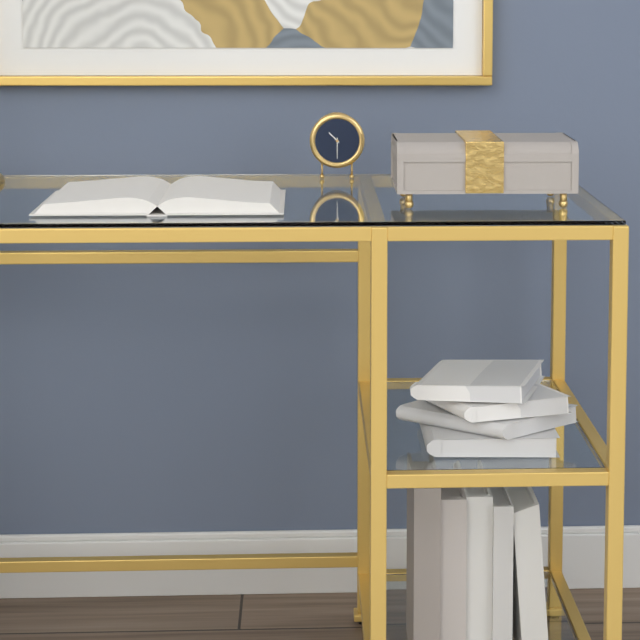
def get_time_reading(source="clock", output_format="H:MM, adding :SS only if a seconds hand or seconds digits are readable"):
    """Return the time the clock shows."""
10:30
